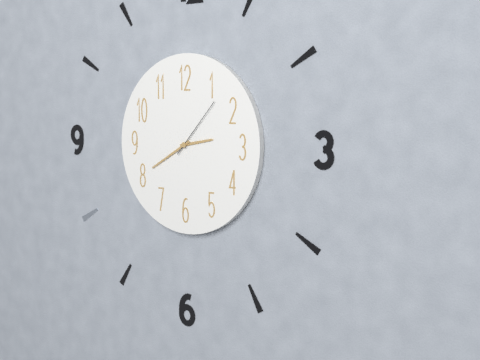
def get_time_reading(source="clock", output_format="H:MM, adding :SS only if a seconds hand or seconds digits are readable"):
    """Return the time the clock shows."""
2:40:07
